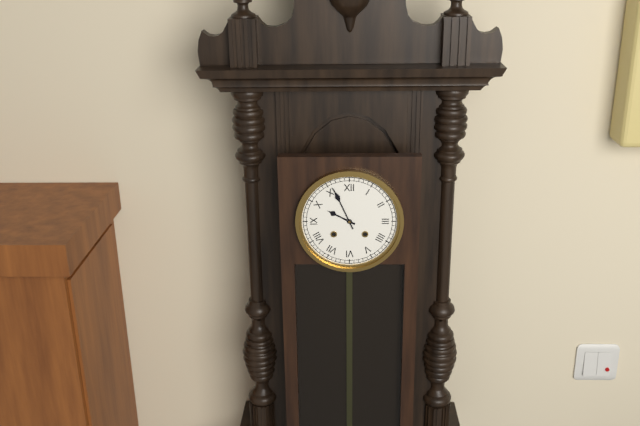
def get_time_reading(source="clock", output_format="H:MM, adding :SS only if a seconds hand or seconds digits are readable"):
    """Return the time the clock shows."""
9:56
